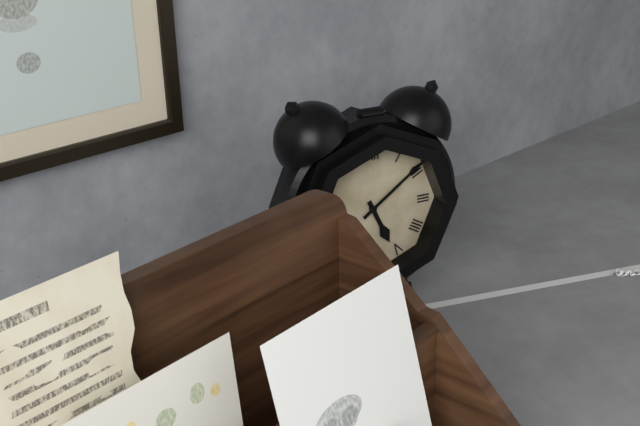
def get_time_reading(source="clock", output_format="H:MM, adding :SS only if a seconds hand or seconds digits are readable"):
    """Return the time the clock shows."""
5:09
